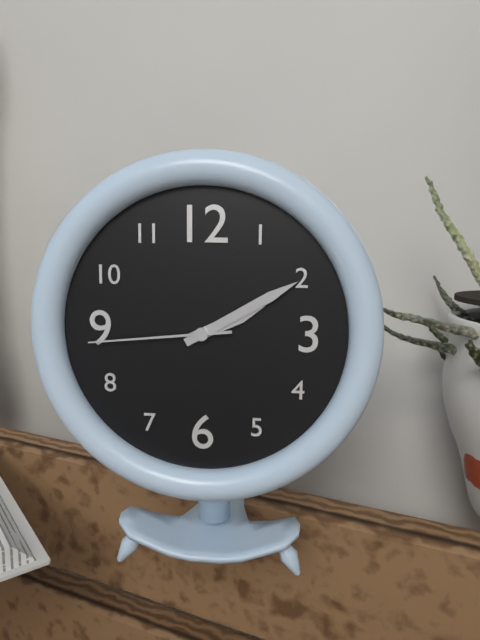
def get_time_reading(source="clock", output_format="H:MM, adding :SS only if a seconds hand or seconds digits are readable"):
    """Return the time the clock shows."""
2:10:44
